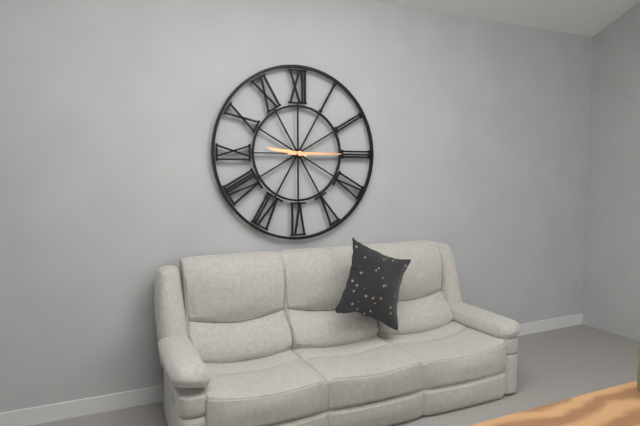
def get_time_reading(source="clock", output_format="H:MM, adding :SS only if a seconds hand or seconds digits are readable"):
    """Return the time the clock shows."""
9:15
